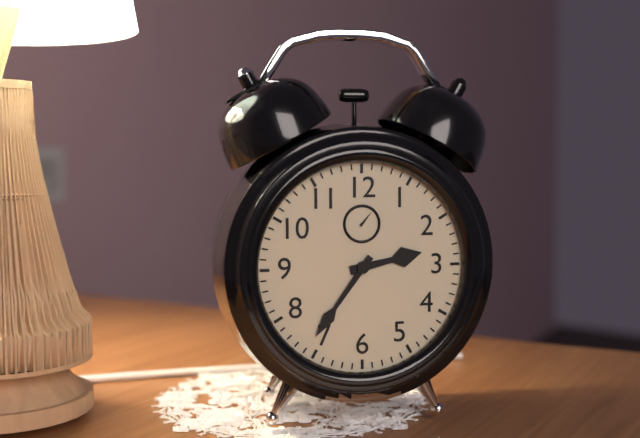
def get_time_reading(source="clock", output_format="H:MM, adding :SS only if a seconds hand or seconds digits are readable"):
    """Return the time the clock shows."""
2:36
